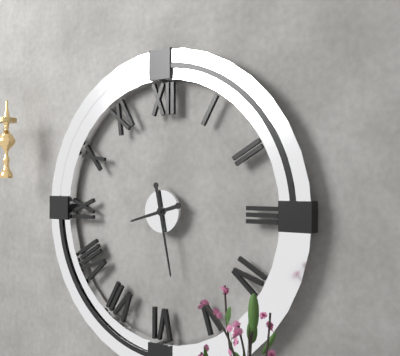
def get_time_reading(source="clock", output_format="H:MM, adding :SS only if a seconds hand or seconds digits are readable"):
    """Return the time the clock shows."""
8:28
